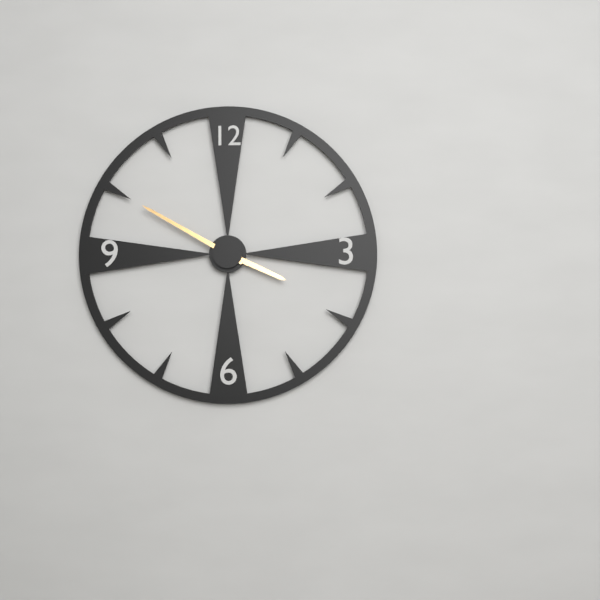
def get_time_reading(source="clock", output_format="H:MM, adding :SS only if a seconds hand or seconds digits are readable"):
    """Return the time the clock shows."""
3:50
